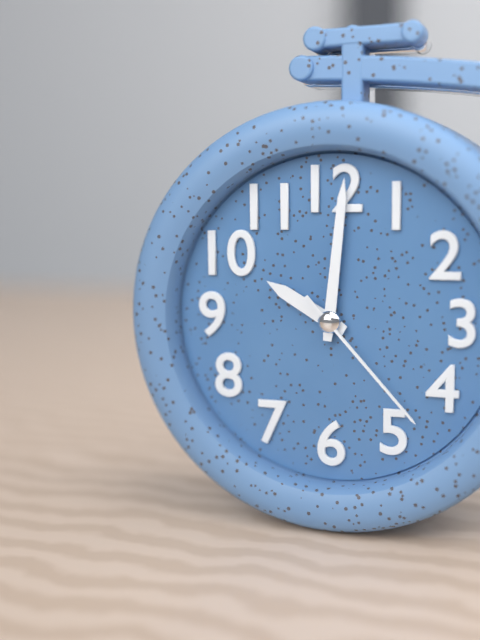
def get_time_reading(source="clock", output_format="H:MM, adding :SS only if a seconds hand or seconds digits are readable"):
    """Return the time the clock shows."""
10:01:23
